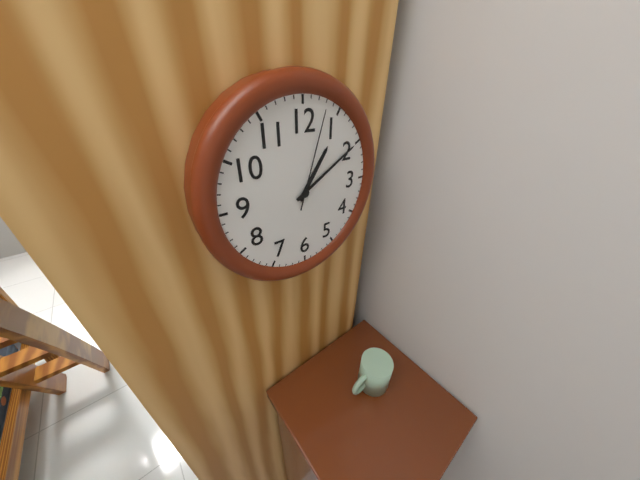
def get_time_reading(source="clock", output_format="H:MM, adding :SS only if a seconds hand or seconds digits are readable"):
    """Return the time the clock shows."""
1:10:03
